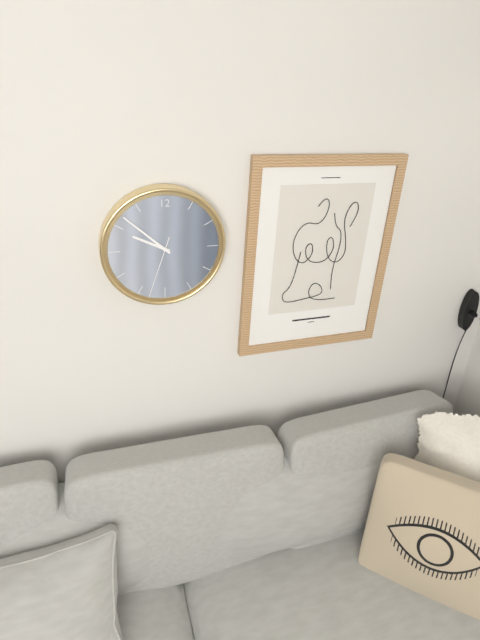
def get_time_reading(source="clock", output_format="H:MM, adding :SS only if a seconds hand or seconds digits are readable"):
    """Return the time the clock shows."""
9:52:33
